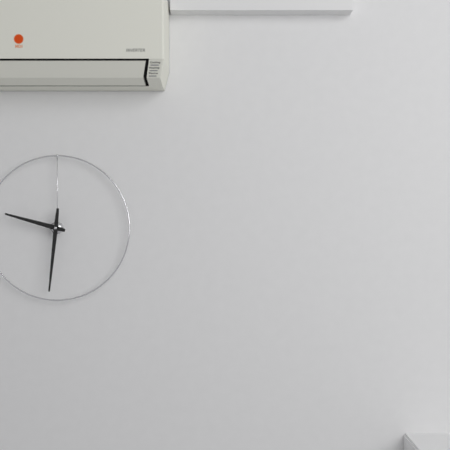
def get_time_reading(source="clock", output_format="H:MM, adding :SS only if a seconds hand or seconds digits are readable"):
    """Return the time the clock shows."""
9:31
